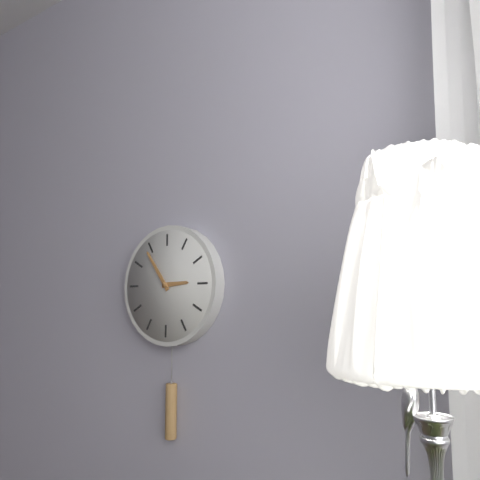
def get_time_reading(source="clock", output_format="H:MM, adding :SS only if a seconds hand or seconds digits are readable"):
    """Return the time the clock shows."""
2:54
